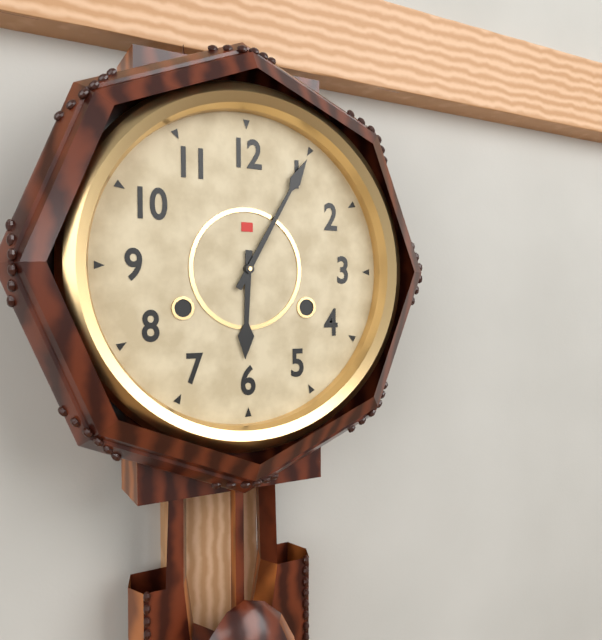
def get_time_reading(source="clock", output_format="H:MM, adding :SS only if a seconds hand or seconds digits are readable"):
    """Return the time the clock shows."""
6:05
